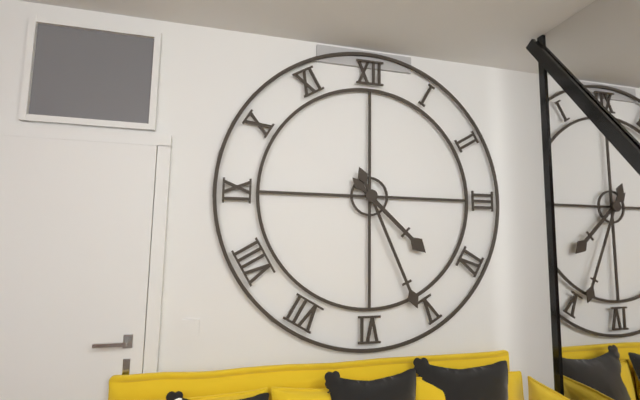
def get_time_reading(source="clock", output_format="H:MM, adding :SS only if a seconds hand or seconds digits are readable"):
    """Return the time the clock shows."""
4:26
